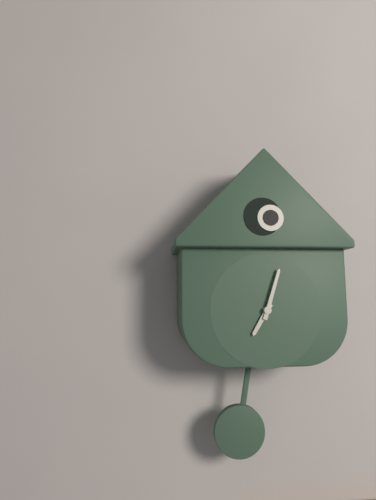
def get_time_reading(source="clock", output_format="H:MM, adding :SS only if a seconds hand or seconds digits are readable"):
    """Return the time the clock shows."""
7:03
